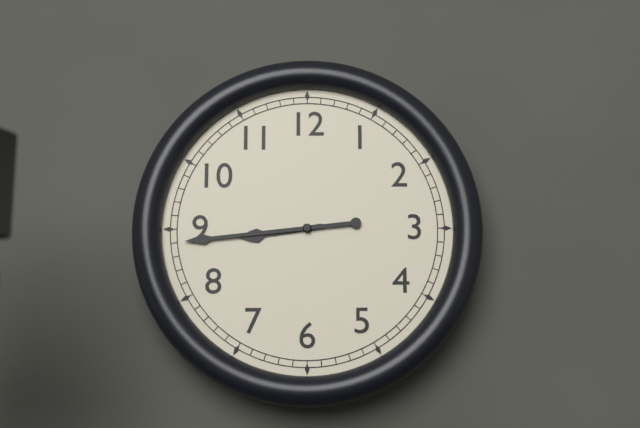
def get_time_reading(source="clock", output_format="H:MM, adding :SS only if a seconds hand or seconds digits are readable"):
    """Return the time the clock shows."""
8:44
